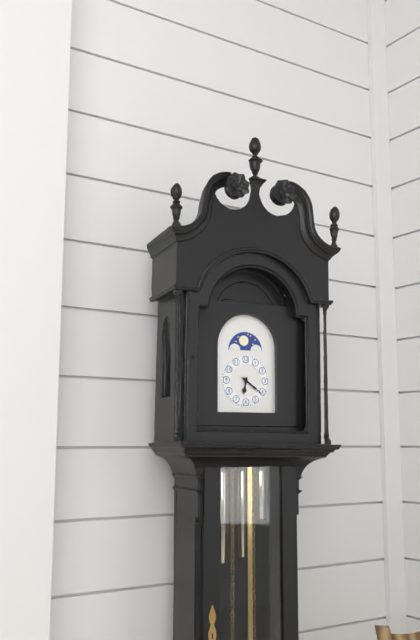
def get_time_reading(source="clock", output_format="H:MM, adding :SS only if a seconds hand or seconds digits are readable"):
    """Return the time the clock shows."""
6:21
